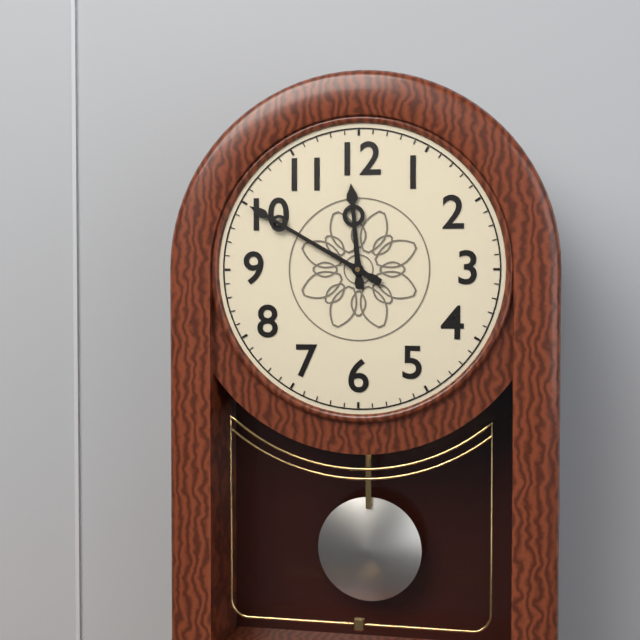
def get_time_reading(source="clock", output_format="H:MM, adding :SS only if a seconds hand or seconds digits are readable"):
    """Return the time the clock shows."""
11:50
